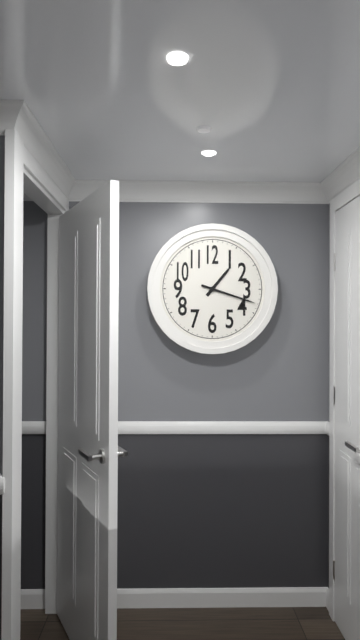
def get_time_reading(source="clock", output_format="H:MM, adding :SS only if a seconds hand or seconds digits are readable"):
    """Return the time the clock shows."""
1:18
